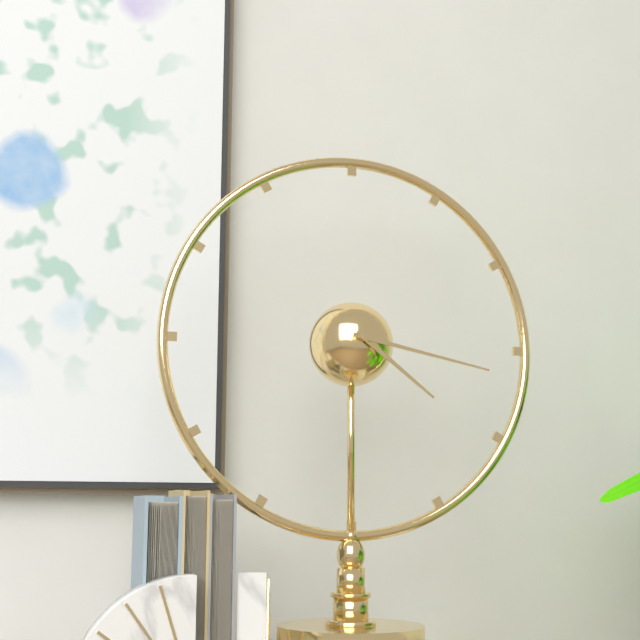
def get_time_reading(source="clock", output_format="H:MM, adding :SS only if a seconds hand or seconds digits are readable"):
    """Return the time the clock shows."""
4:17
